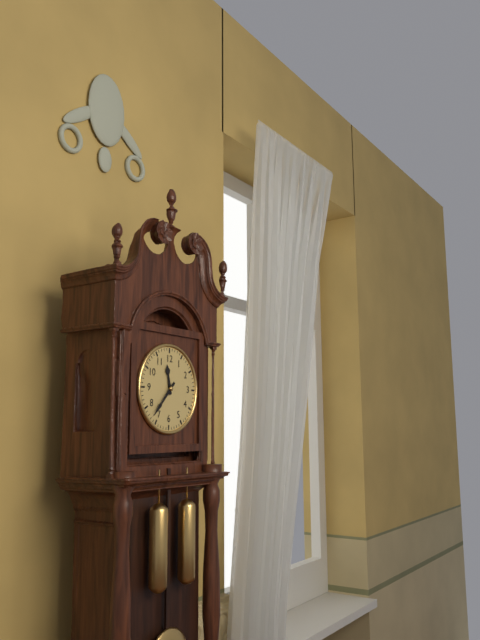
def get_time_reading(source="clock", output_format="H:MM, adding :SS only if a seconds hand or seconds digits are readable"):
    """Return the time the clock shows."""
11:37
